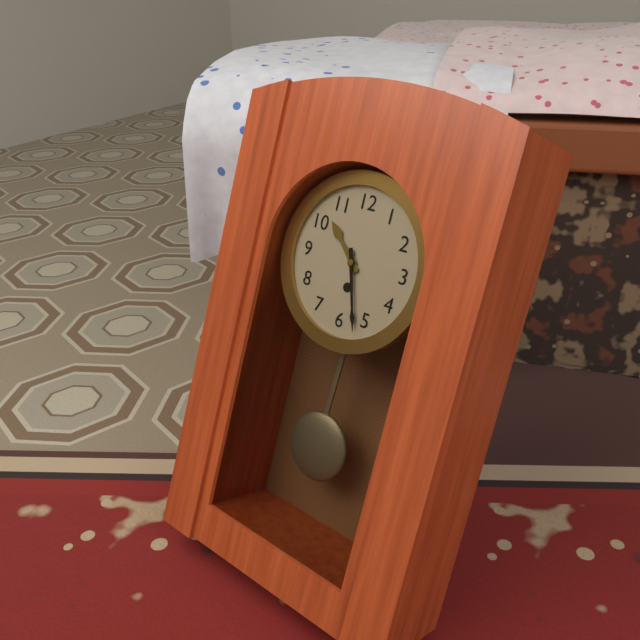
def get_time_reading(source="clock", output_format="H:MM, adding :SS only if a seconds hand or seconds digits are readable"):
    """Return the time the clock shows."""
10:27
